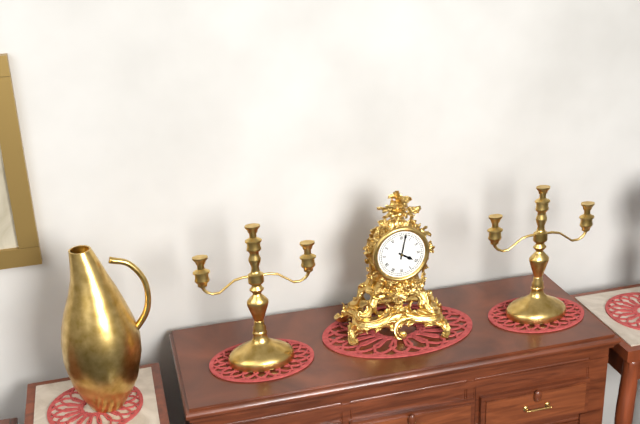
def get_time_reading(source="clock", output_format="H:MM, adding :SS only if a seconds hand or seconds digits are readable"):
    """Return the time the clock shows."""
4:02
